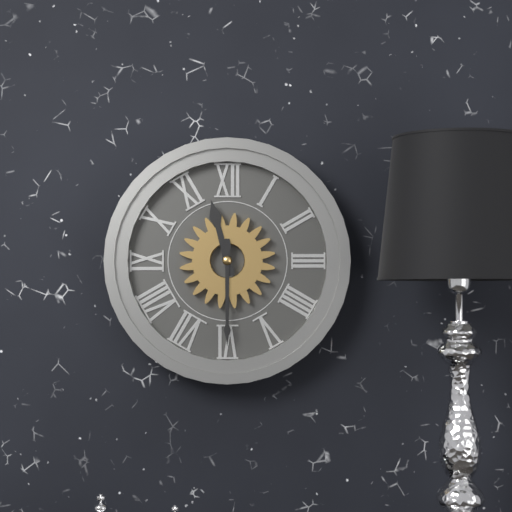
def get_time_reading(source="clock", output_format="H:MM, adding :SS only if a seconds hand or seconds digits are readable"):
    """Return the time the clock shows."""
11:30
